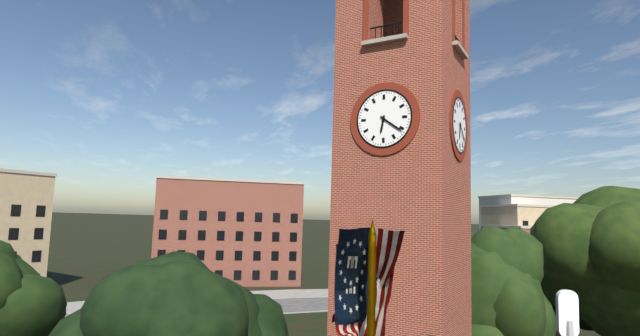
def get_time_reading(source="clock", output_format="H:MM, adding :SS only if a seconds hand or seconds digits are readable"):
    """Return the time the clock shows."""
6:21
